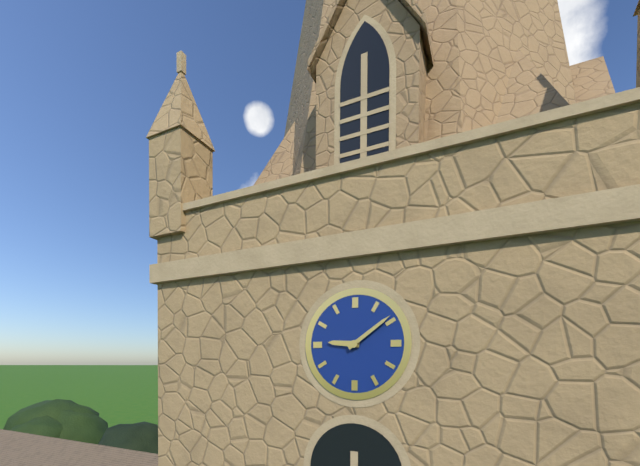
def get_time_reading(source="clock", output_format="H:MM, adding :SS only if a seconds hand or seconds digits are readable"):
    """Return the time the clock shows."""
9:09
